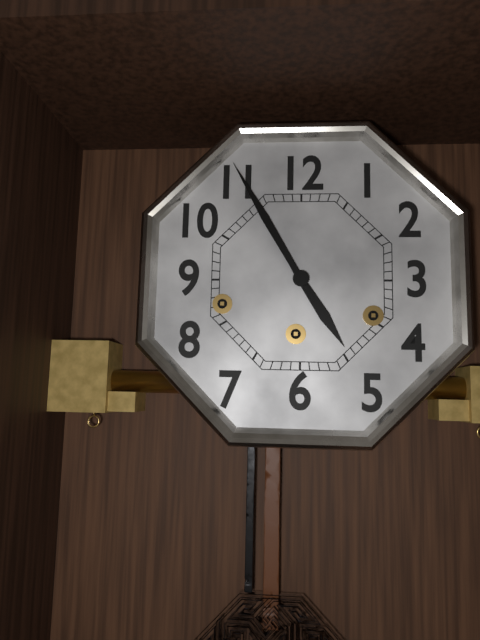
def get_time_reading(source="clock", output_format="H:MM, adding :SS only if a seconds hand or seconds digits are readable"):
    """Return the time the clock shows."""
4:55
